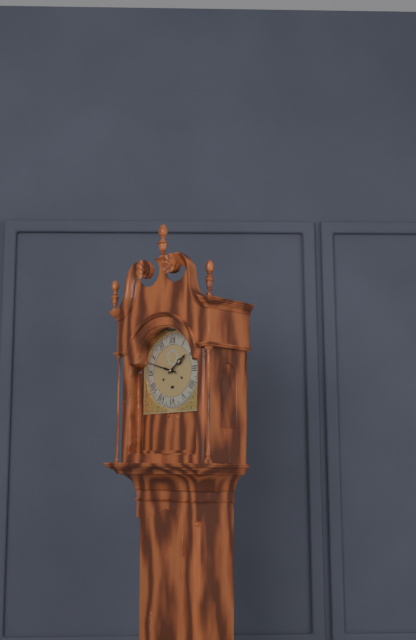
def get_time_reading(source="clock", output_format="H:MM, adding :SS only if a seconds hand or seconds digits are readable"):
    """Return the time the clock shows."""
1:48
